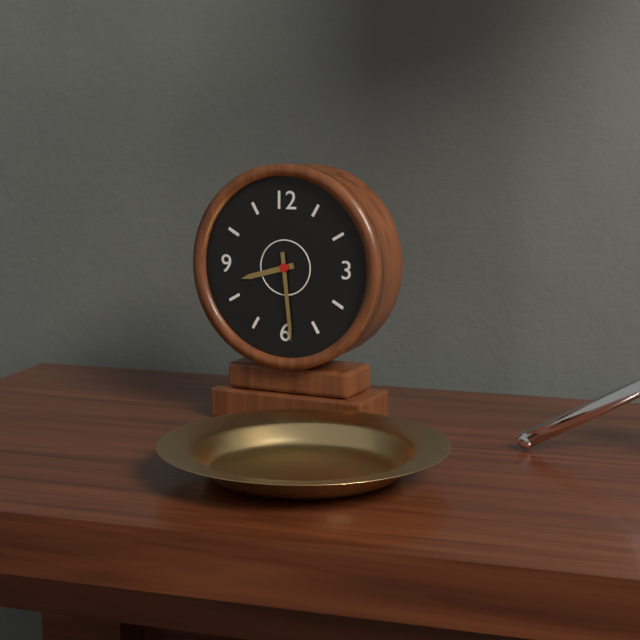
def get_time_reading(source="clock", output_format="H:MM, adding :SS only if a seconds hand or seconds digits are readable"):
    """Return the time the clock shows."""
8:29
